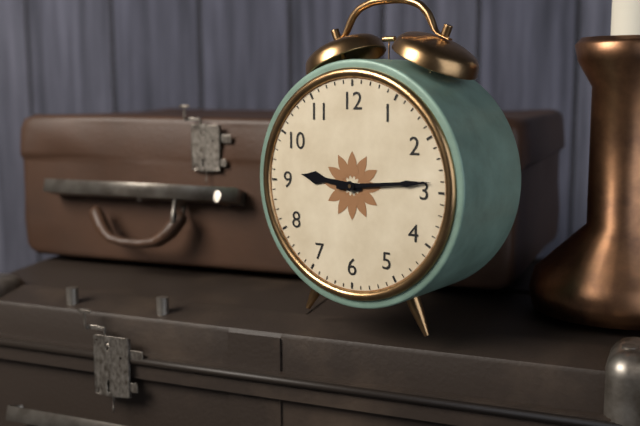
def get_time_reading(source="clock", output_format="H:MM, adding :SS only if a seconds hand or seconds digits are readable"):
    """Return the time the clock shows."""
9:14
